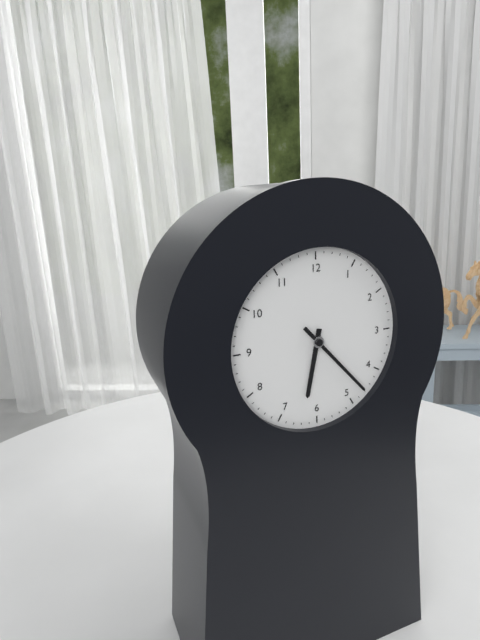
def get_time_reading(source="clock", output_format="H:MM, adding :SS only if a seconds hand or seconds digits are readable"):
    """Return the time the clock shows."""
6:23
